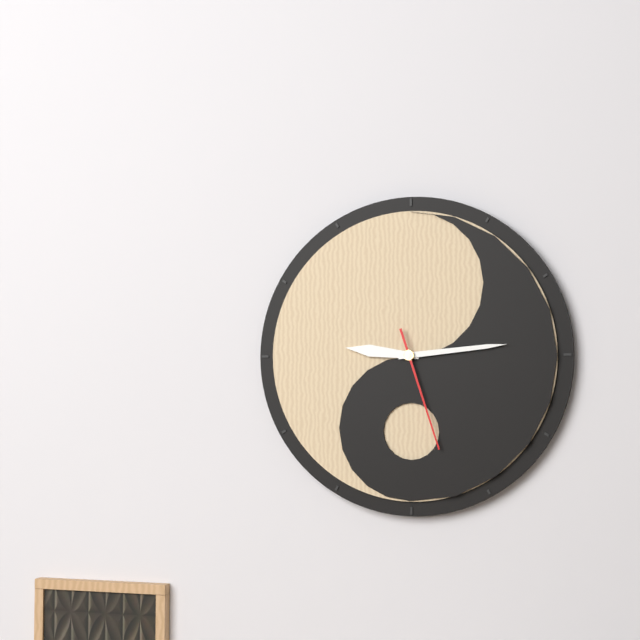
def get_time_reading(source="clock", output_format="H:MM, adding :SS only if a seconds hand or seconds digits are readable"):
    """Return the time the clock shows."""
9:14:27
